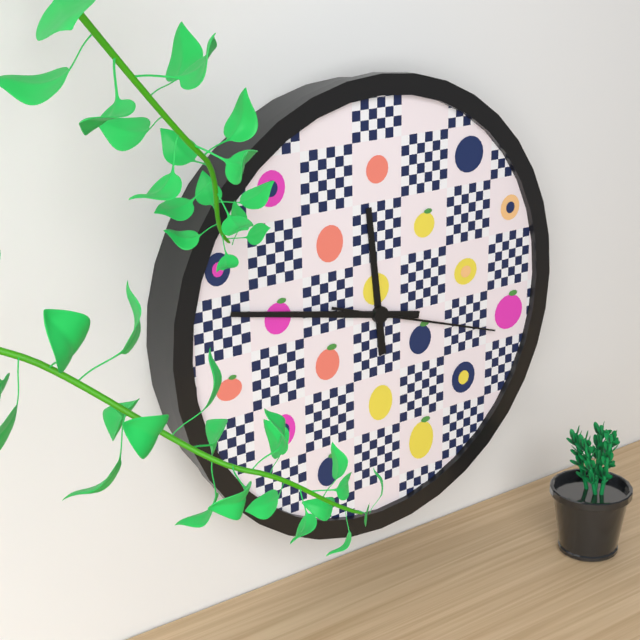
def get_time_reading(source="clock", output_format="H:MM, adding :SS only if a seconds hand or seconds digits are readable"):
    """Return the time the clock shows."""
11:47:18
